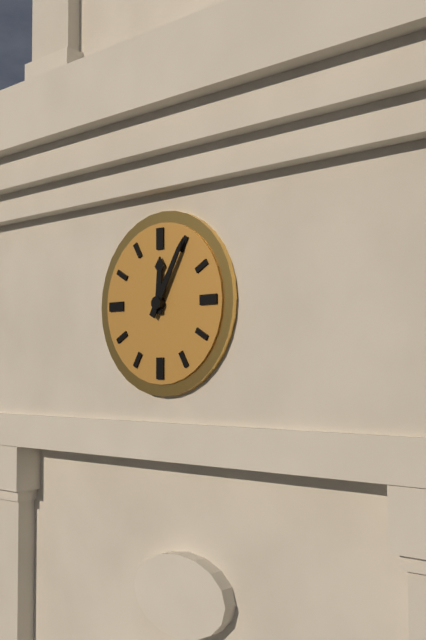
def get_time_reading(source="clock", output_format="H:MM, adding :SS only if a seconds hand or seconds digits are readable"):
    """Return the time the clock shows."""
12:05
